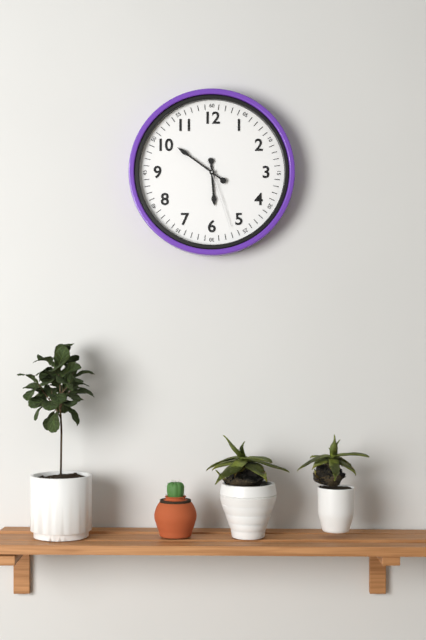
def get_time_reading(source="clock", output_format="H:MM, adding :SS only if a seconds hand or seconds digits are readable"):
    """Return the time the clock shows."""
5:51:27
